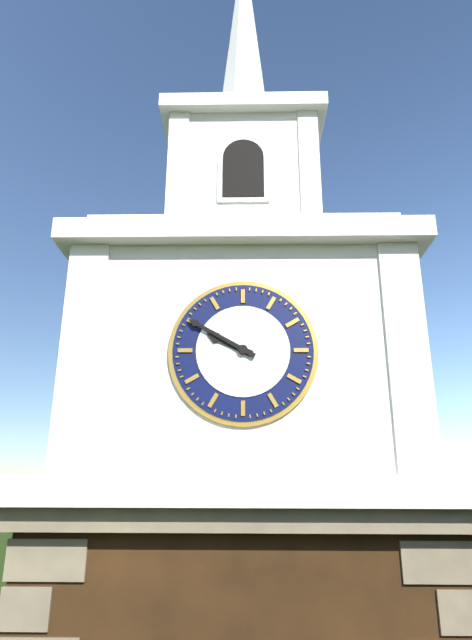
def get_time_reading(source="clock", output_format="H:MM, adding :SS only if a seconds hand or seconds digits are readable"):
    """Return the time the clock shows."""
9:50
